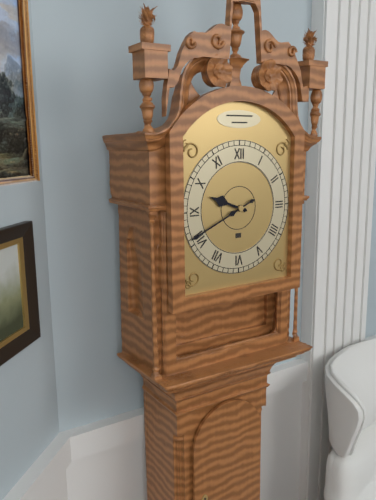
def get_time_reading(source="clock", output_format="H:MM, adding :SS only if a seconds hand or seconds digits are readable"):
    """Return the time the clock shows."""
9:41
